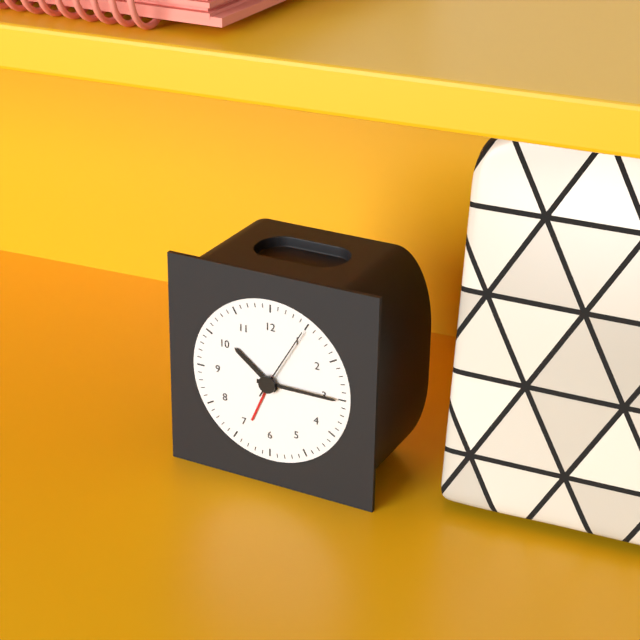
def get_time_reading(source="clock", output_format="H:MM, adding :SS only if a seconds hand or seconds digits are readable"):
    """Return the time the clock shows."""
10:15:05
